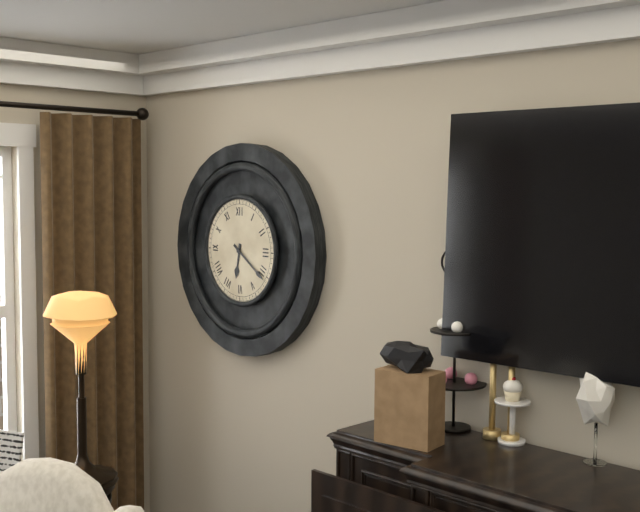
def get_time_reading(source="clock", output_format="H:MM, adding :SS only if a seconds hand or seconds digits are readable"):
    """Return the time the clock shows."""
6:21
